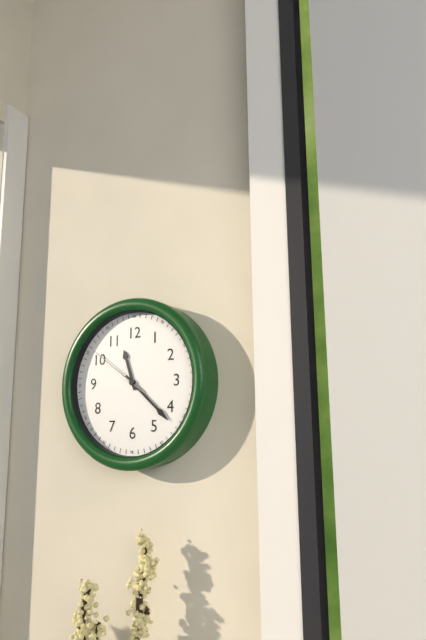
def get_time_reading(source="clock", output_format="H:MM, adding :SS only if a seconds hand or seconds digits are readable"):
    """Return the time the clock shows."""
11:22:51
